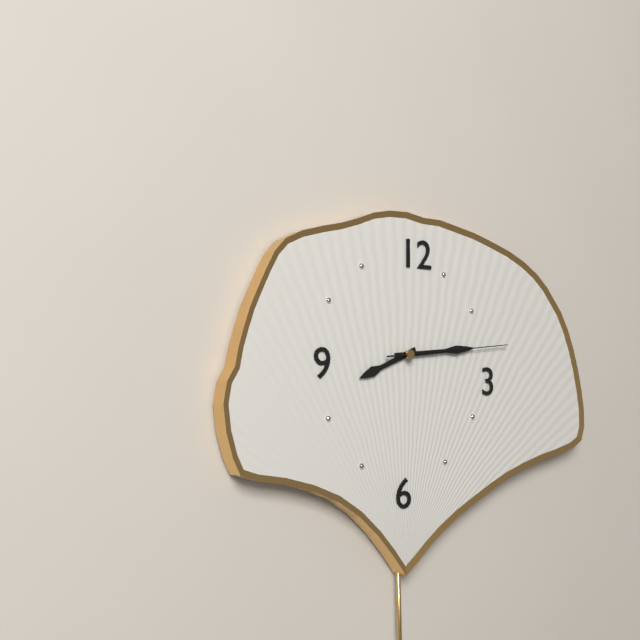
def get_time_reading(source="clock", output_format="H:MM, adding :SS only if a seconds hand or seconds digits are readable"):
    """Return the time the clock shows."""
8:14:14
